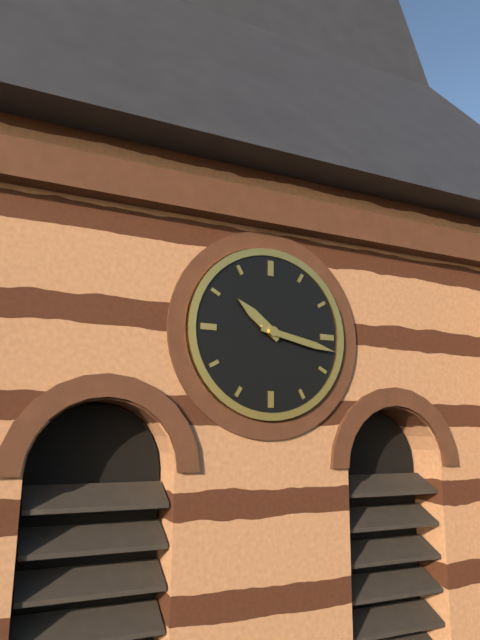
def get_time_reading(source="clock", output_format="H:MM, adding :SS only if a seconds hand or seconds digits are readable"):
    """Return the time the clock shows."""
10:17
